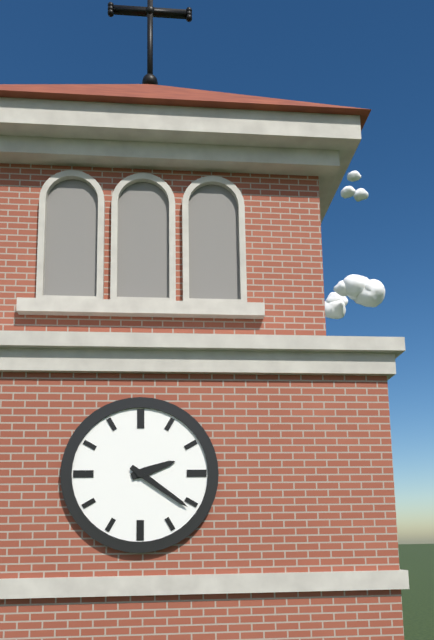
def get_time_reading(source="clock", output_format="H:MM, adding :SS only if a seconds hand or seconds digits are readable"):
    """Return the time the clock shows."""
2:21
